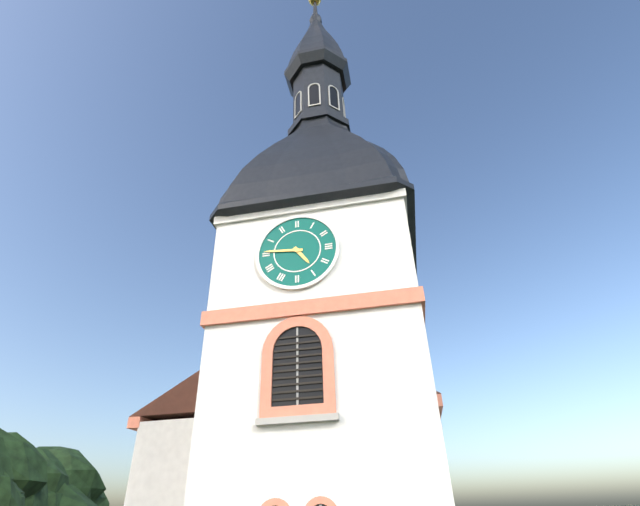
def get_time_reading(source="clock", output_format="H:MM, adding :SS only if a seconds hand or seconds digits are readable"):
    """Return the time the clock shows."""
4:46
